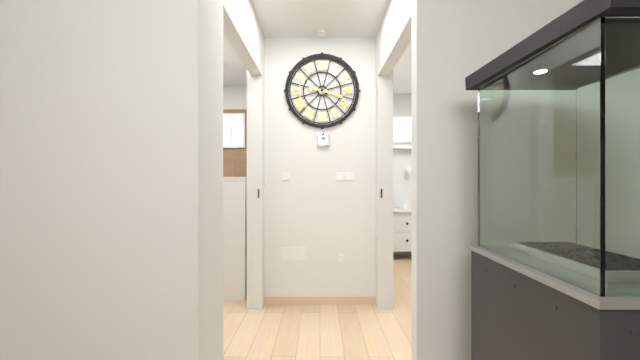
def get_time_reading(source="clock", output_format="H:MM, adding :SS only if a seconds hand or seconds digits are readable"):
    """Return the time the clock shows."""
9:18
